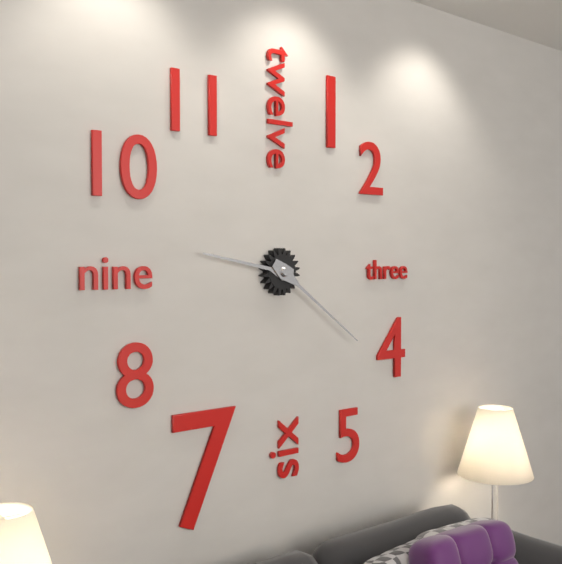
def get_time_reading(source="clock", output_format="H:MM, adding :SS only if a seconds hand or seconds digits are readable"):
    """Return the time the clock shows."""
9:21
